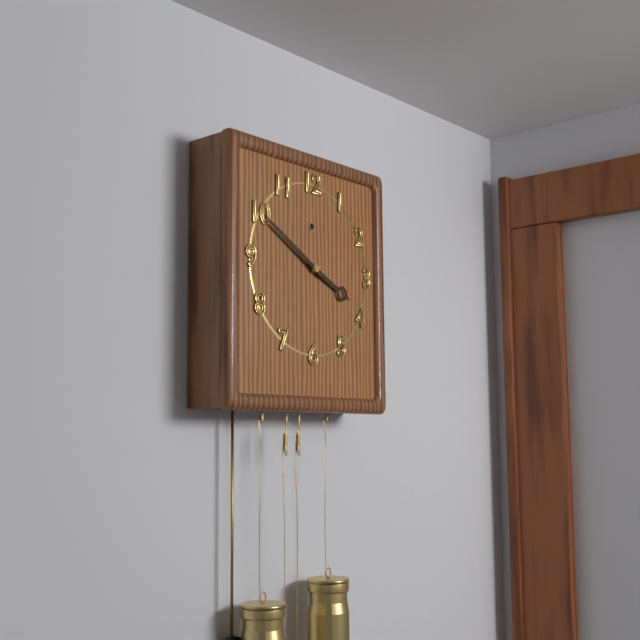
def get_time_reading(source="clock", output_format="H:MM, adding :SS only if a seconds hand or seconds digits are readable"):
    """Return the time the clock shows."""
3:50
